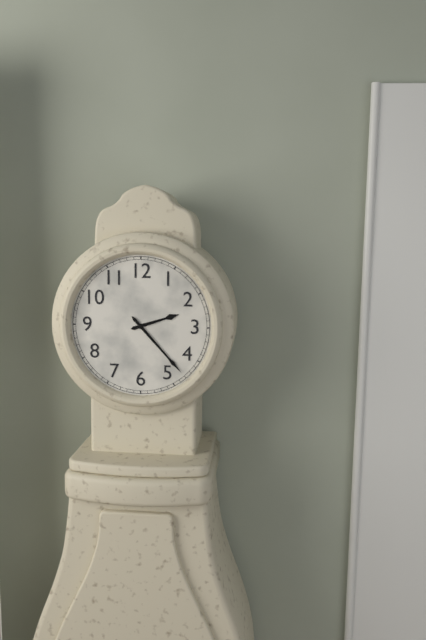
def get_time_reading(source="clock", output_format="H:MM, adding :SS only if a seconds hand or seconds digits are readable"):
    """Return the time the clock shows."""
2:23
